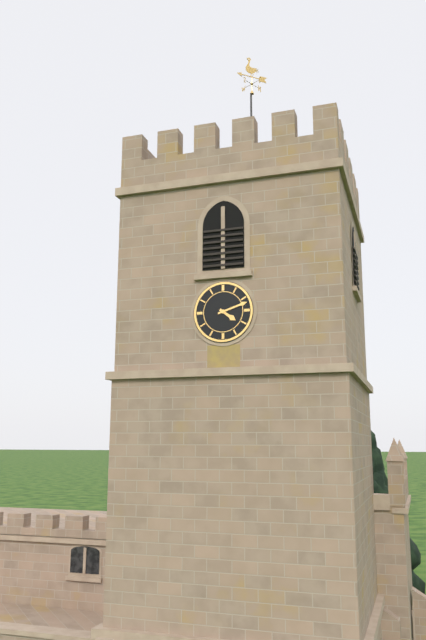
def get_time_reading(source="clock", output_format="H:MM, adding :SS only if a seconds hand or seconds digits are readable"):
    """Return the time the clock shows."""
4:12
